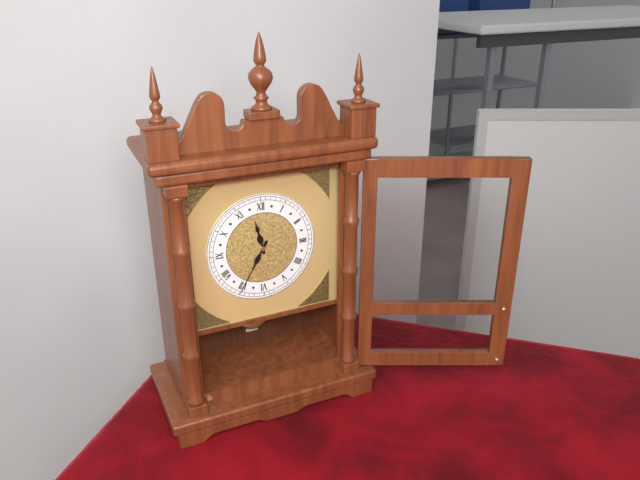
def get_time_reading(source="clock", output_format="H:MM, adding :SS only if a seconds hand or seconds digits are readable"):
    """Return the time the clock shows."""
11:35
